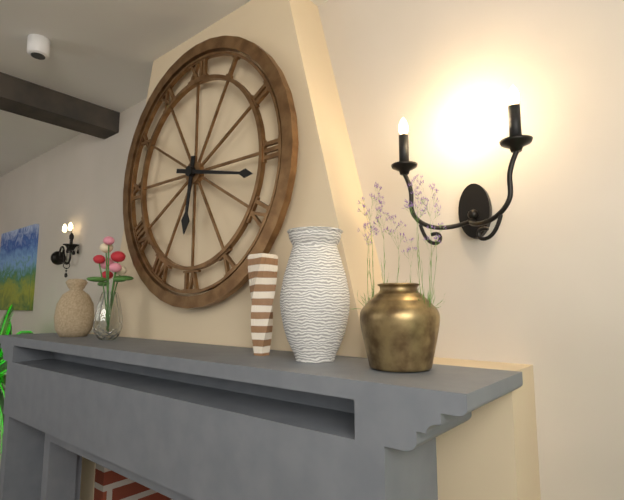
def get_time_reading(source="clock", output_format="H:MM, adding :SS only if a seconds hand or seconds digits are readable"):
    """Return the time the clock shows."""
6:17
